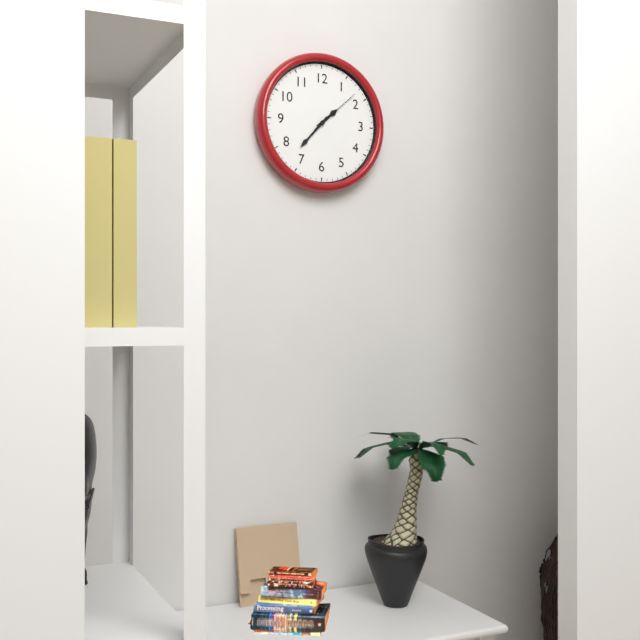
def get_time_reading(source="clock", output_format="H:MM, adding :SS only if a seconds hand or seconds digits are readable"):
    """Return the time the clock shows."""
1:37:08
